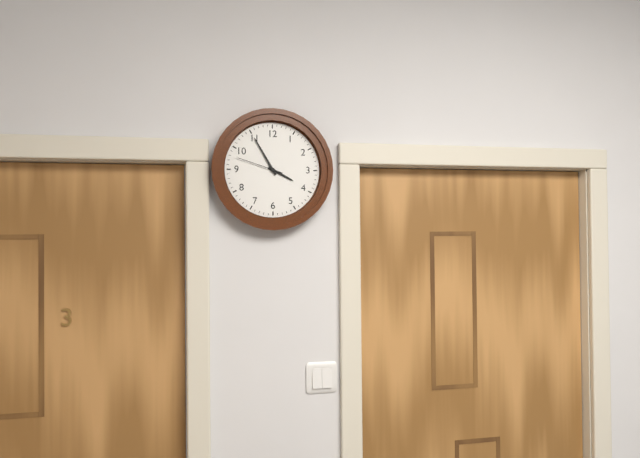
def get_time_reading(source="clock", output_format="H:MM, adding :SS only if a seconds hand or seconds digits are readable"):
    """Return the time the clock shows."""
3:55:48
